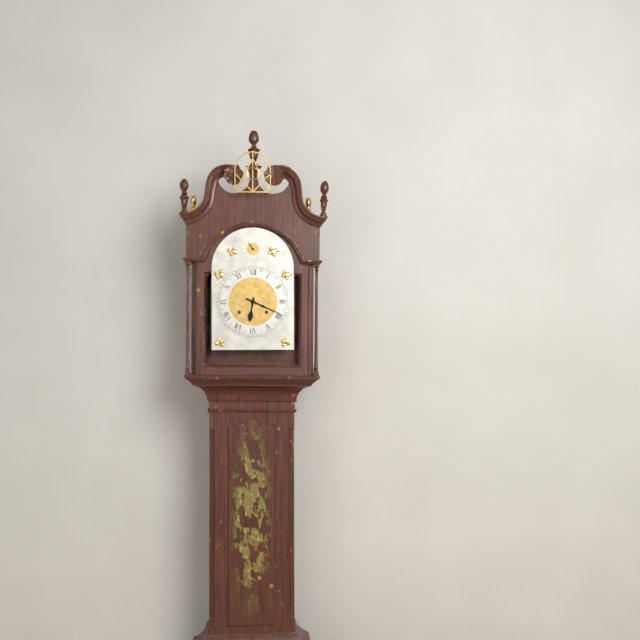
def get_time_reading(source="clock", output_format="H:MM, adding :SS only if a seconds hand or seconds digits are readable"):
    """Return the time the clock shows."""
6:19
